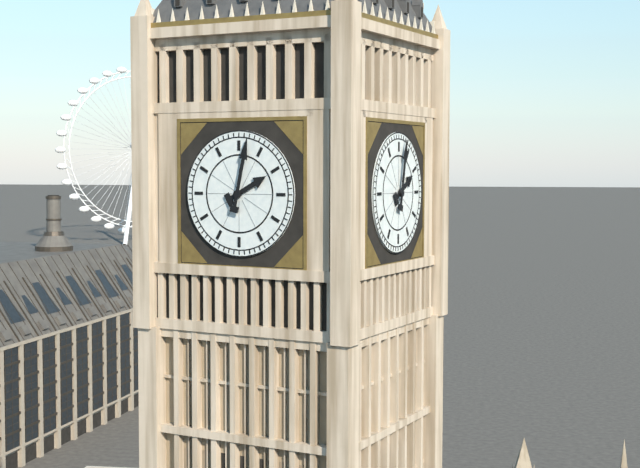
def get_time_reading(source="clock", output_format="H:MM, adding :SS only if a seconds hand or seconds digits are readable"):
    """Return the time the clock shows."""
2:02
